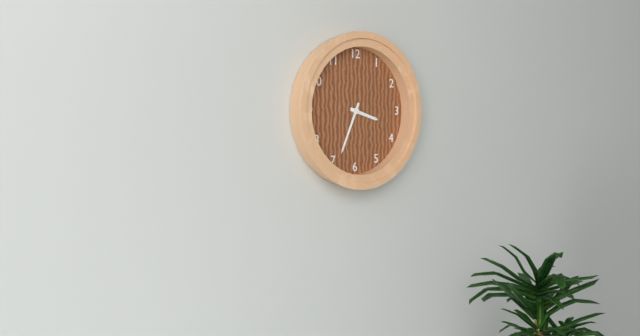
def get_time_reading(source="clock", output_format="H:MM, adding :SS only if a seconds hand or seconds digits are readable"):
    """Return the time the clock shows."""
3:34
